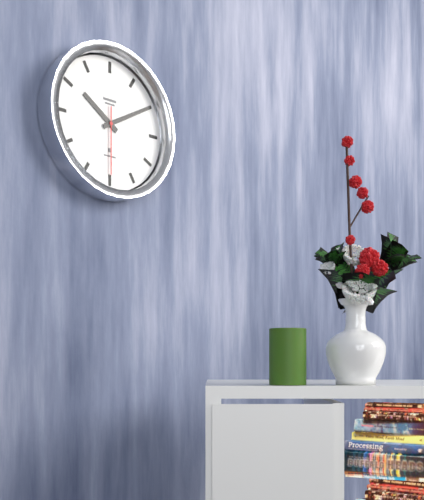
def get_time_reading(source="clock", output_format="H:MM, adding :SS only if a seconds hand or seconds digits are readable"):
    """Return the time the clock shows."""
10:10:30
